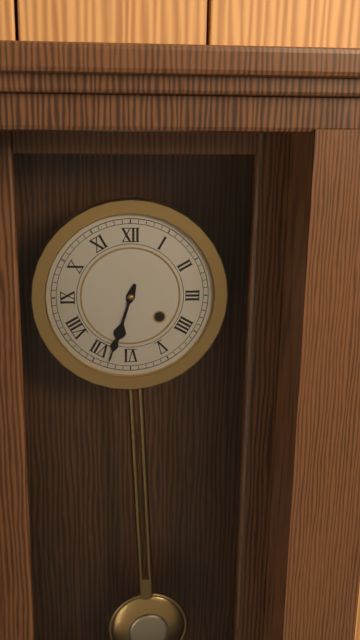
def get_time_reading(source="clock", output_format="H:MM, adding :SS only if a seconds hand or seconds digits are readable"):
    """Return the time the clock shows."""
6:33
